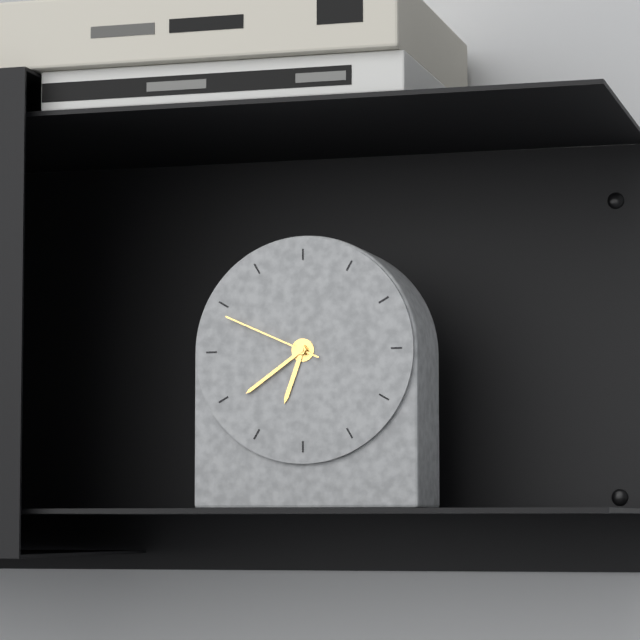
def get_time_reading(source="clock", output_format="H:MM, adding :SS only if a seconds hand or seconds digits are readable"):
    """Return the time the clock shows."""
6:39:49
